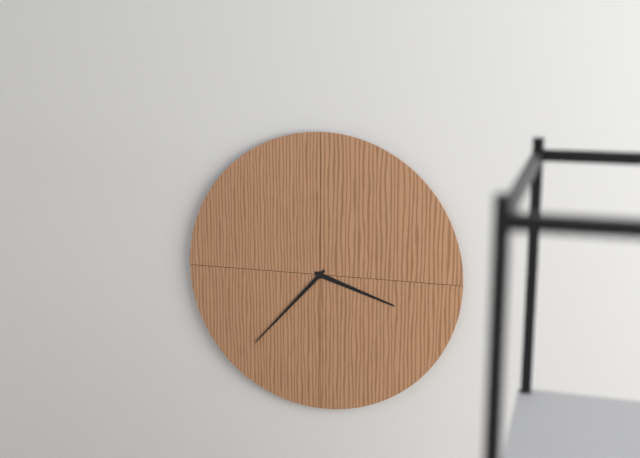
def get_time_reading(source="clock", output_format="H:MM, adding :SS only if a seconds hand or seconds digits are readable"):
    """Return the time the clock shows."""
3:37
